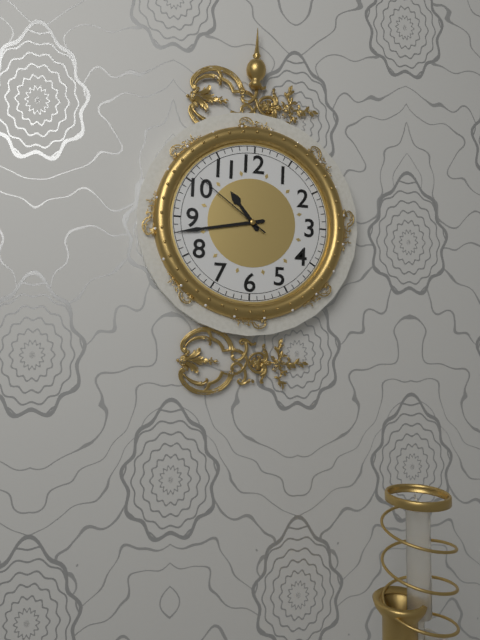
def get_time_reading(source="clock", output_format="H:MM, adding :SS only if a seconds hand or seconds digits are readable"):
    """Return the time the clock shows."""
10:43:51
